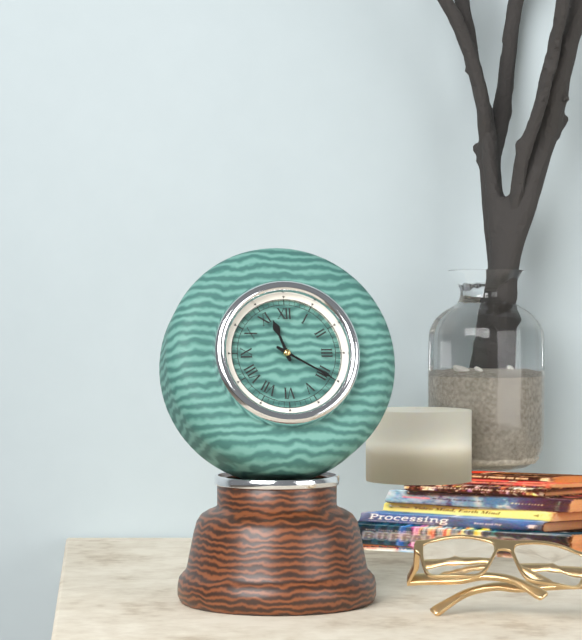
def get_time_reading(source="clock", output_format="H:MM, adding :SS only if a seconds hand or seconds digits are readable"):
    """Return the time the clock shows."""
11:20
